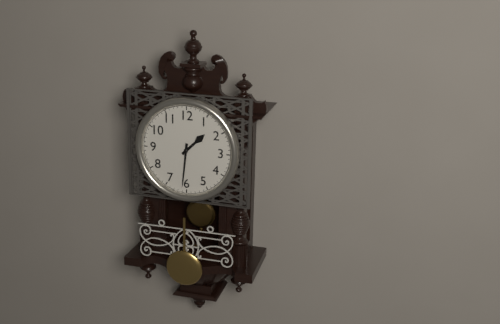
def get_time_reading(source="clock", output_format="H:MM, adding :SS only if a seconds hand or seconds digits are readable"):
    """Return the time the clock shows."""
1:31
